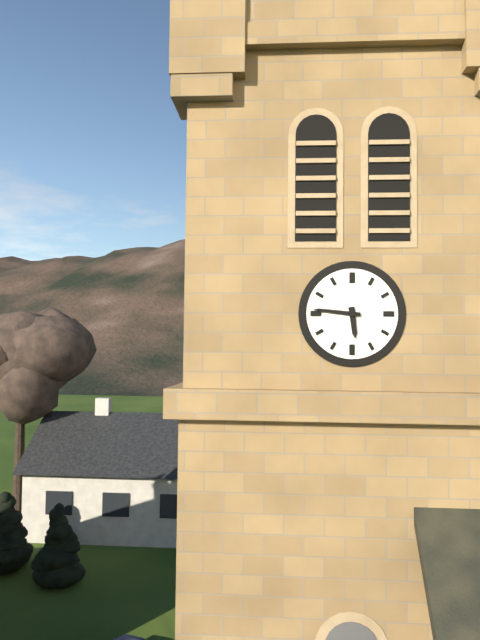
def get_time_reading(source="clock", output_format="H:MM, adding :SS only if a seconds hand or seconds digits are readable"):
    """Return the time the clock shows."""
5:46
